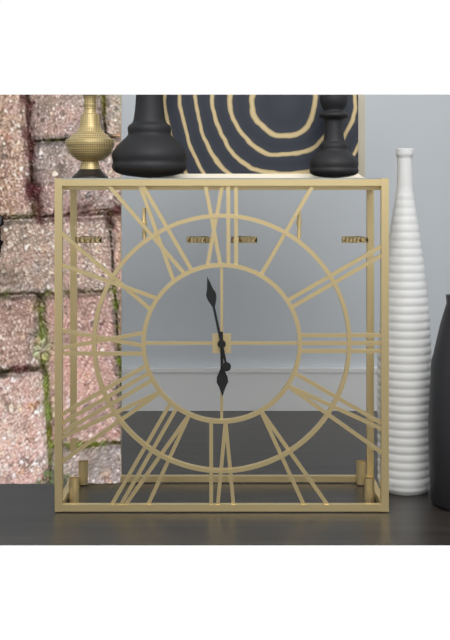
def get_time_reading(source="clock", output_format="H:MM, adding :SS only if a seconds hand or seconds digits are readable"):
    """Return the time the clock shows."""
5:58
